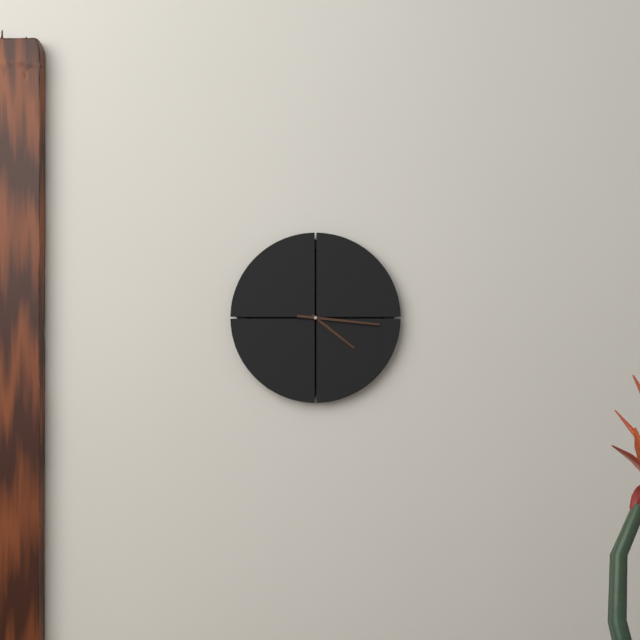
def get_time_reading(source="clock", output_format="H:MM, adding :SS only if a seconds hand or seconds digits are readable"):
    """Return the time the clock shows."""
4:16
